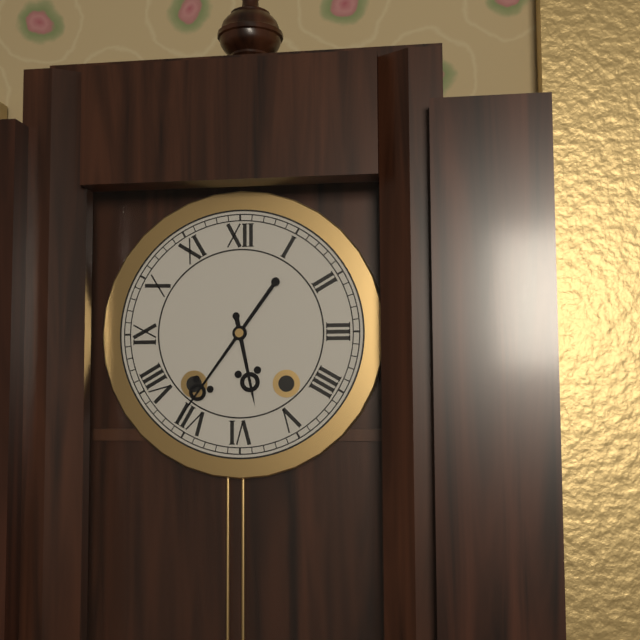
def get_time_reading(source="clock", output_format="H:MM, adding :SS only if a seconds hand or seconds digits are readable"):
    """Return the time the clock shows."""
5:36
